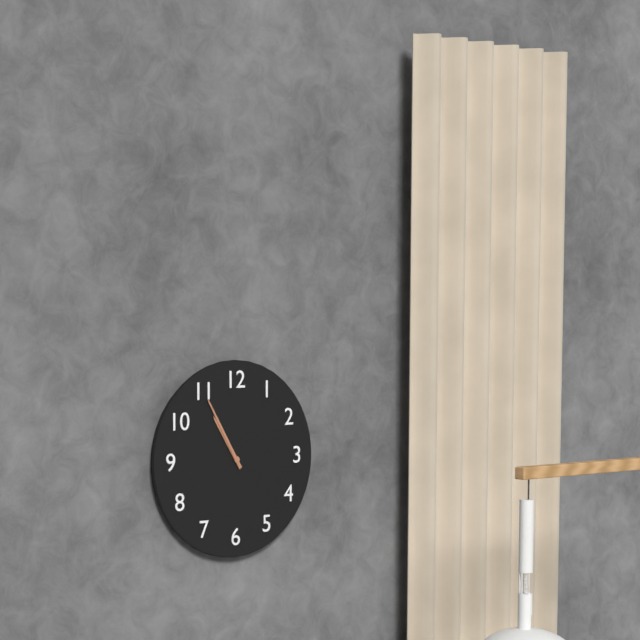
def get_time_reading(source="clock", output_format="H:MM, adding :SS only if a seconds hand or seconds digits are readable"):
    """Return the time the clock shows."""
10:55
